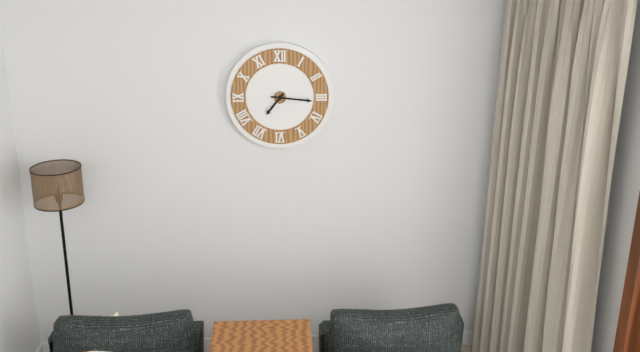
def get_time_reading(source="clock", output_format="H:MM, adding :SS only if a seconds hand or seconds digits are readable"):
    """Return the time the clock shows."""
7:16
